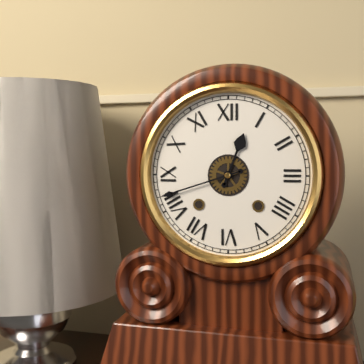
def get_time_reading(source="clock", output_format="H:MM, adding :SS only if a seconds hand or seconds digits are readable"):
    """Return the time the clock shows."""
12:42
